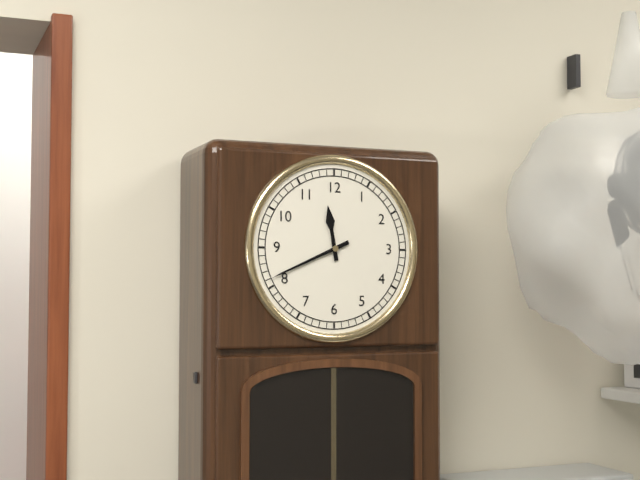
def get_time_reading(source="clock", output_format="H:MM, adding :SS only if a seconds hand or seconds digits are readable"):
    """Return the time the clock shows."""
11:41
